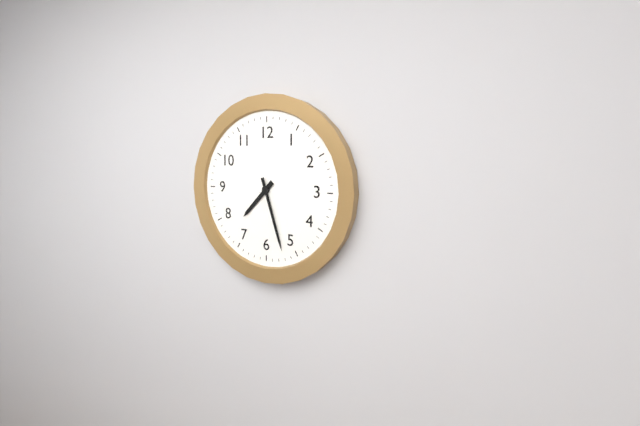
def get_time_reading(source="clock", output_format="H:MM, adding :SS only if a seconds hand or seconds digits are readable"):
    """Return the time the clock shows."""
7:27
